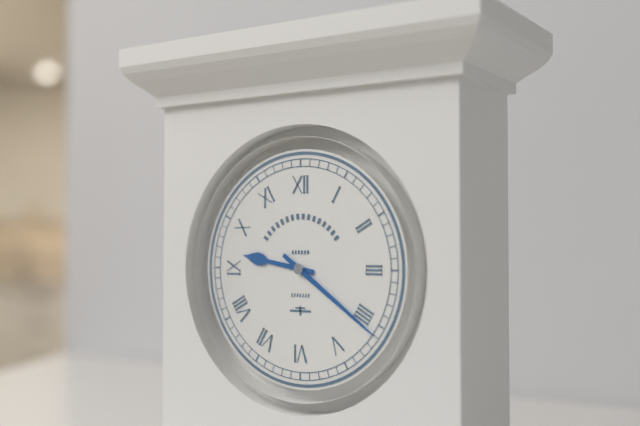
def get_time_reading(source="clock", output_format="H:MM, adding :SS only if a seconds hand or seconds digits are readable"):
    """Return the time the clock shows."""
9:21
